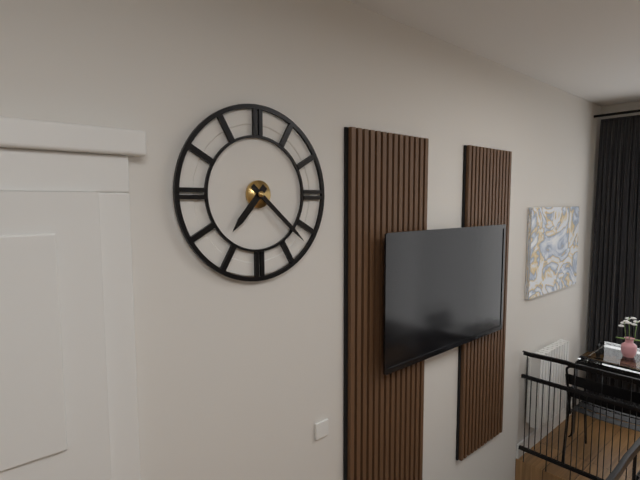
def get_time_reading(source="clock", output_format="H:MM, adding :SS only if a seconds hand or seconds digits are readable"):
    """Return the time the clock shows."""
7:22
